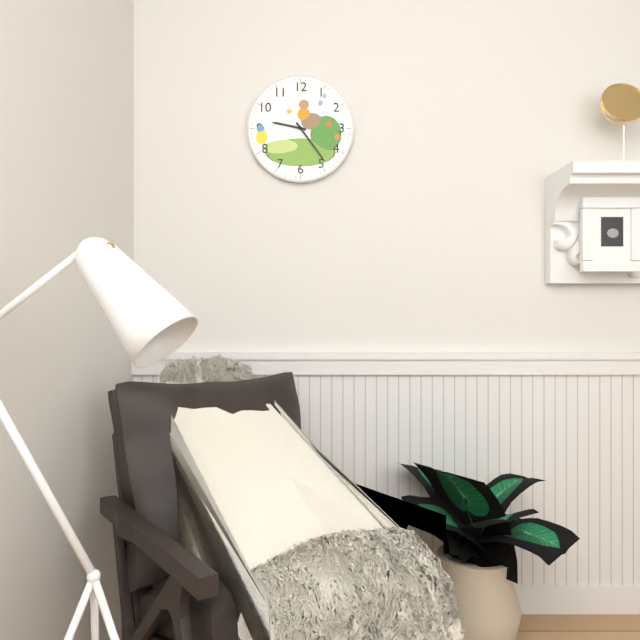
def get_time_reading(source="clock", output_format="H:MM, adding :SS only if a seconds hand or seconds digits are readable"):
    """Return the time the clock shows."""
9:24
